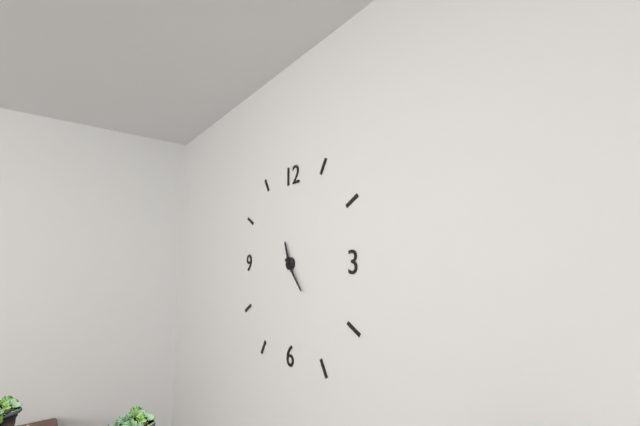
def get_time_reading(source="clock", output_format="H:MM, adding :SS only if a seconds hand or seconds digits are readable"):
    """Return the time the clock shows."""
11:23
